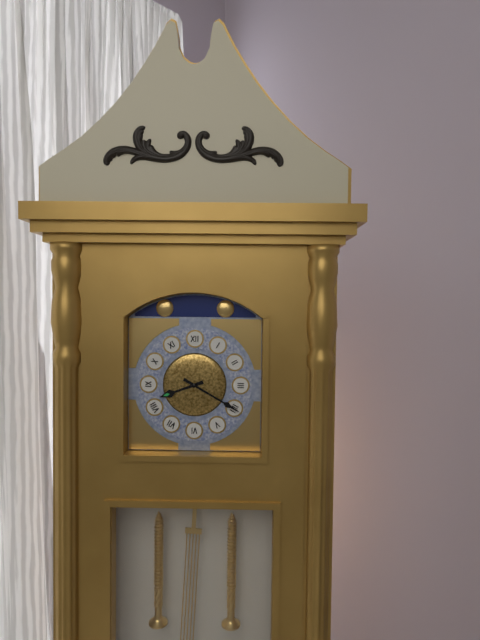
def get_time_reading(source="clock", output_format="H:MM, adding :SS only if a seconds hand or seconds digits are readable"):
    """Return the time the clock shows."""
8:20
